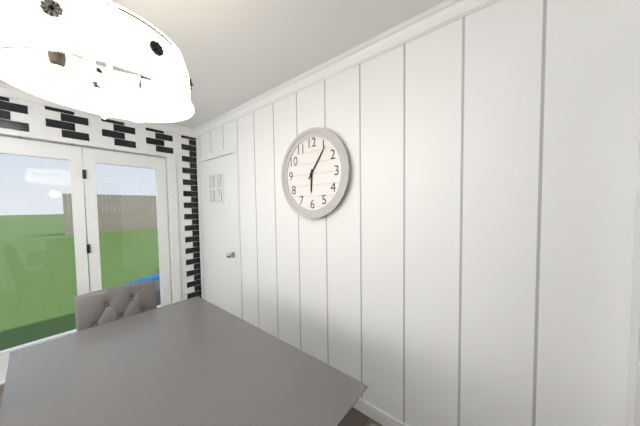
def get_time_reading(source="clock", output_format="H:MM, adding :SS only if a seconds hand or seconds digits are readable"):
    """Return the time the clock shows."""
6:06
